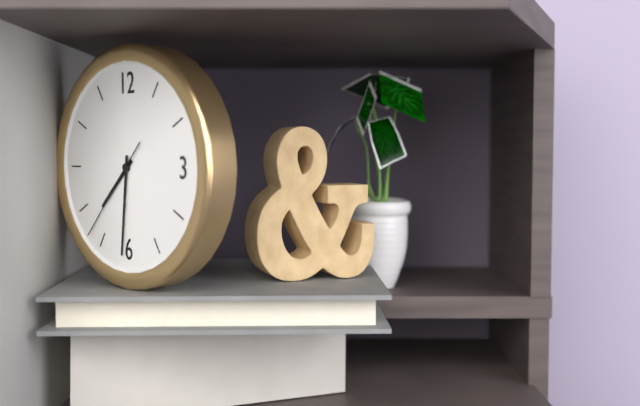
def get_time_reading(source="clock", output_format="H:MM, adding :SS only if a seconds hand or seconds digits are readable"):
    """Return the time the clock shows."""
7:31:37
